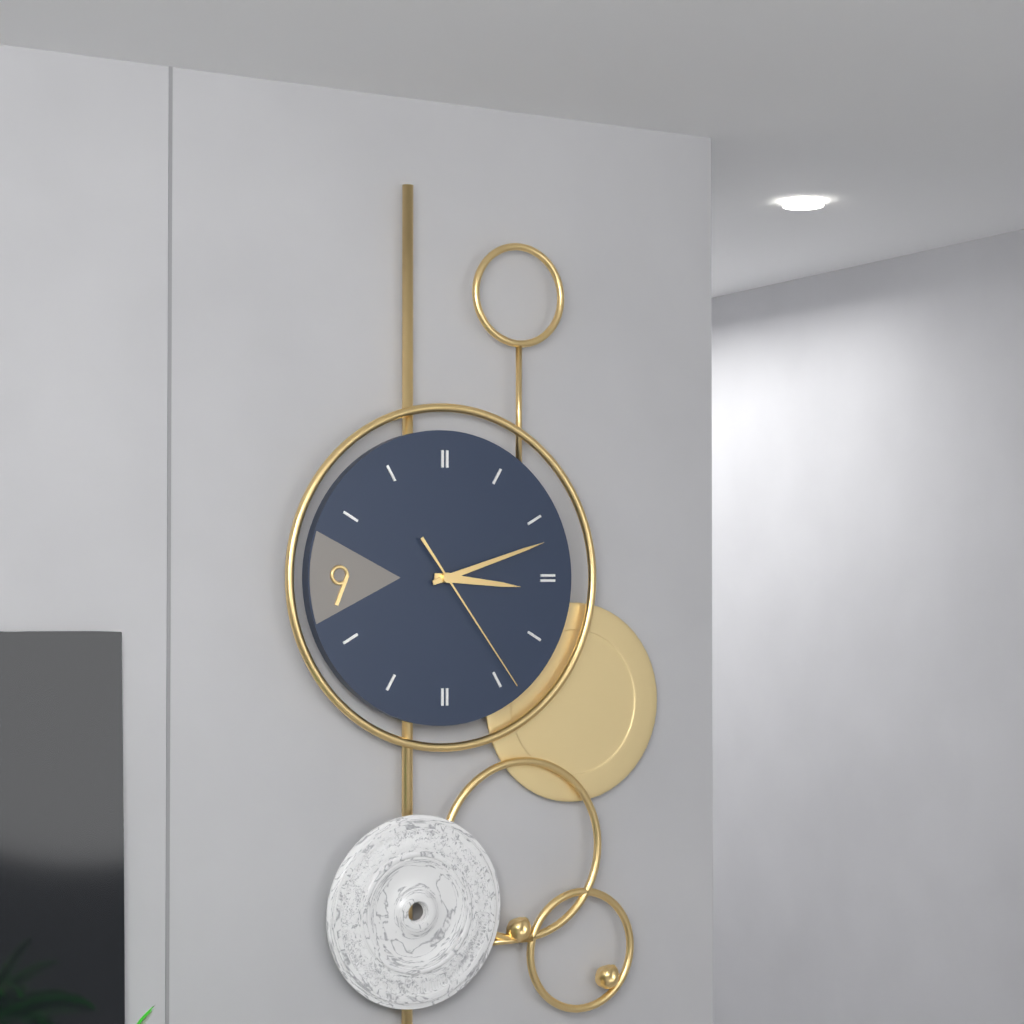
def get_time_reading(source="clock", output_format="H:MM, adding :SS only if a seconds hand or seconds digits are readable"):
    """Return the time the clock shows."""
3:12:24
